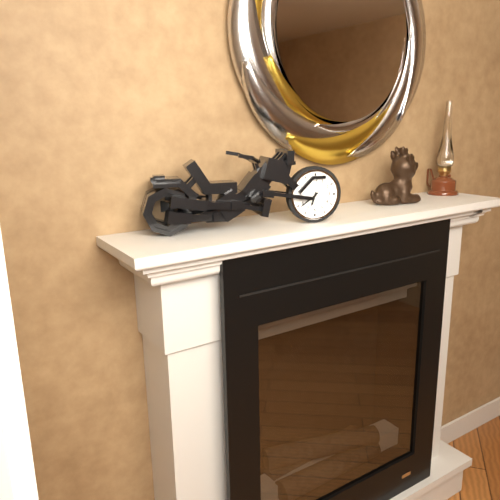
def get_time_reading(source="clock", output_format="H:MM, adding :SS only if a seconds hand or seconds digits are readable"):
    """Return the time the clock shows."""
6:39
